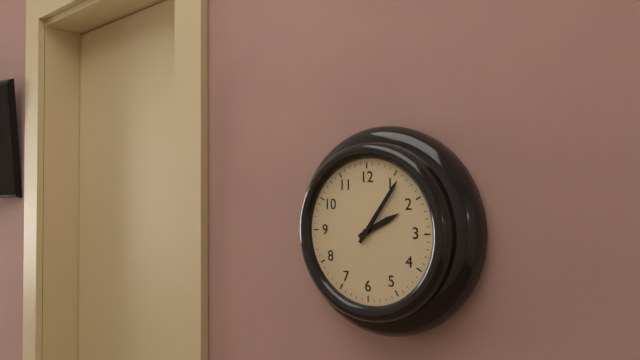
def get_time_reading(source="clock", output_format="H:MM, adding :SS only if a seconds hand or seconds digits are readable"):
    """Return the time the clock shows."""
2:06
